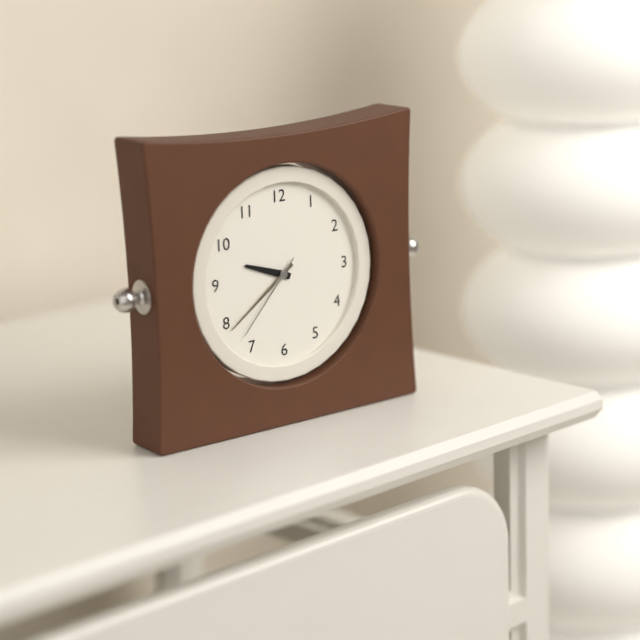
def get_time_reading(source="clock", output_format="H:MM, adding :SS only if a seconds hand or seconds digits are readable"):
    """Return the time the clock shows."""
9:39:37
